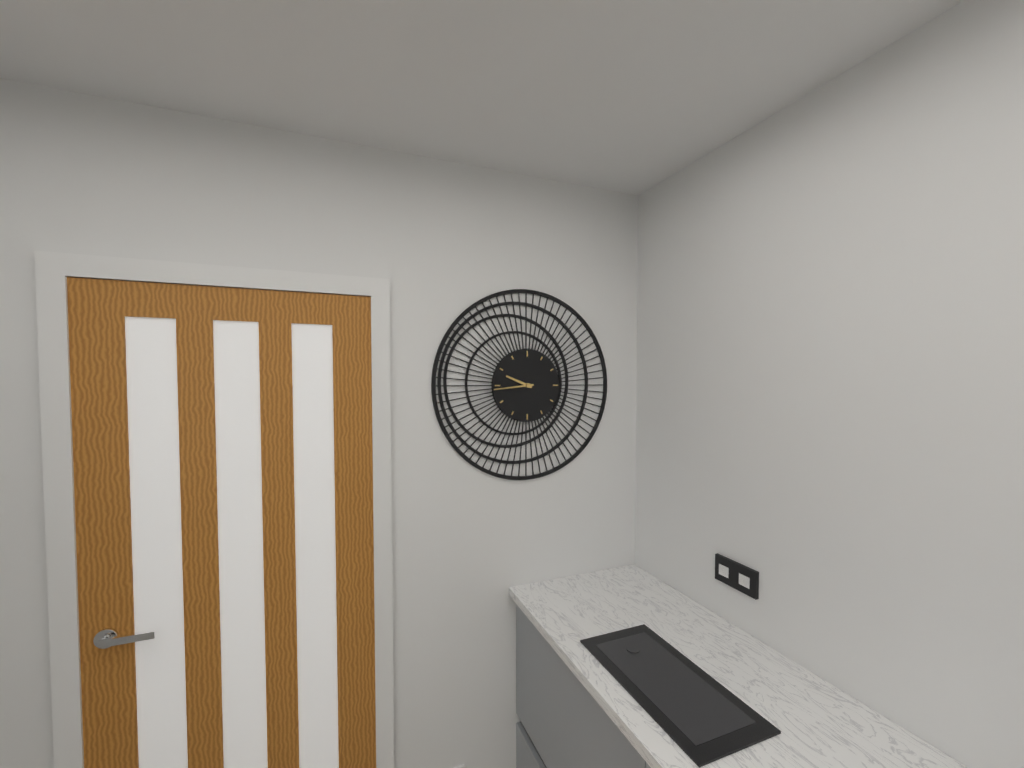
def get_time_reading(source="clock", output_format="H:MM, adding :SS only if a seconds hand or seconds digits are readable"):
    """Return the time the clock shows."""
9:44
